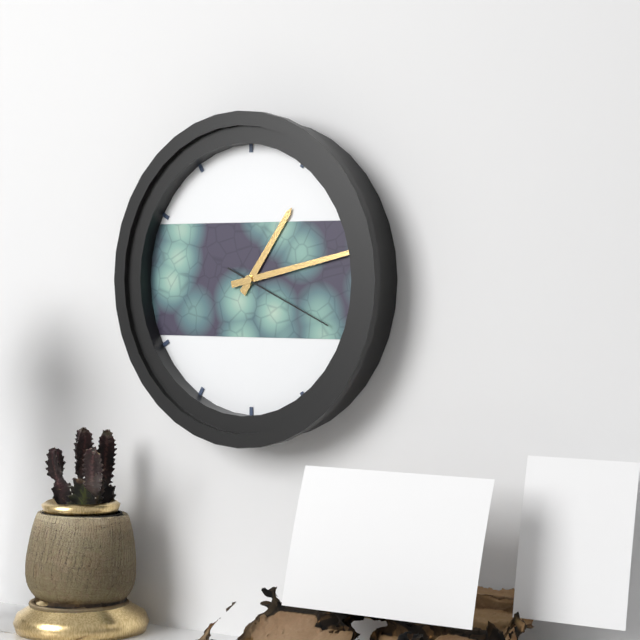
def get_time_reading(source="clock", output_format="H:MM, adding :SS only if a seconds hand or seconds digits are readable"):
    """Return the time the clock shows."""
1:13:19
